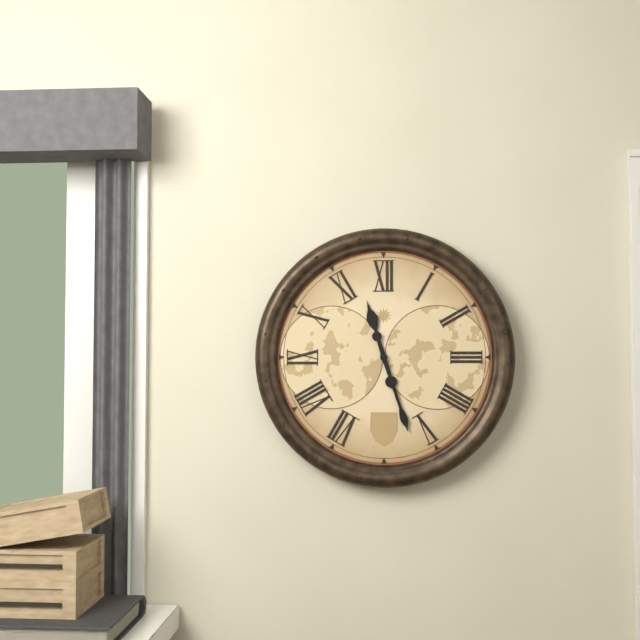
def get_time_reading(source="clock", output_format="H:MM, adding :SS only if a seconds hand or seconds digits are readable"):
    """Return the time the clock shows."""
11:27
